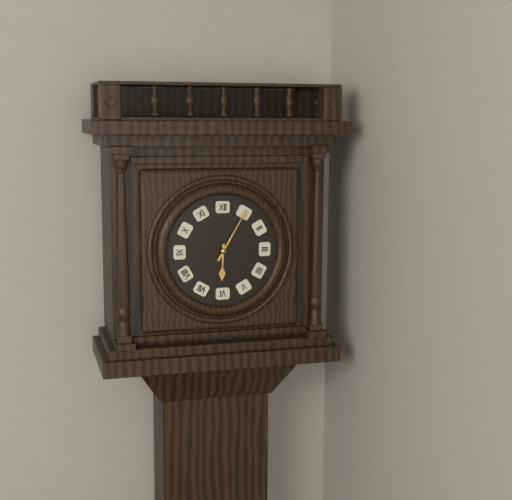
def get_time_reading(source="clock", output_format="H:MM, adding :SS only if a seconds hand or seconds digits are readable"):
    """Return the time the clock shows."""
6:05
